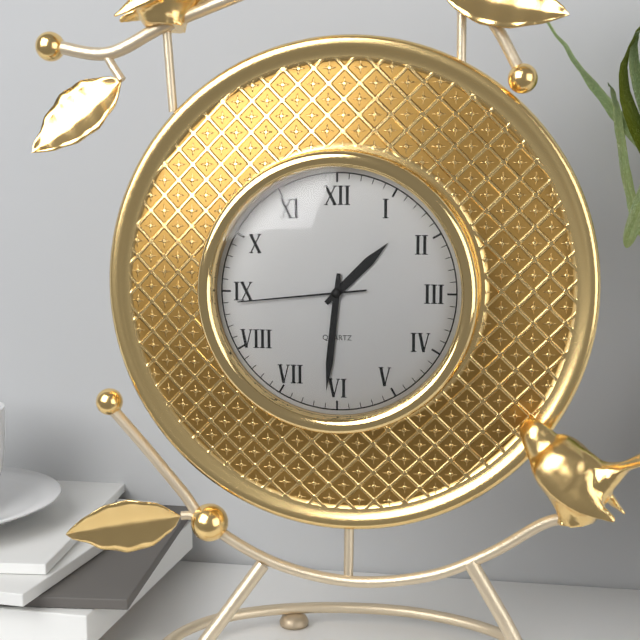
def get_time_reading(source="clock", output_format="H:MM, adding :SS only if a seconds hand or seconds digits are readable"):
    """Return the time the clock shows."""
1:31:44
